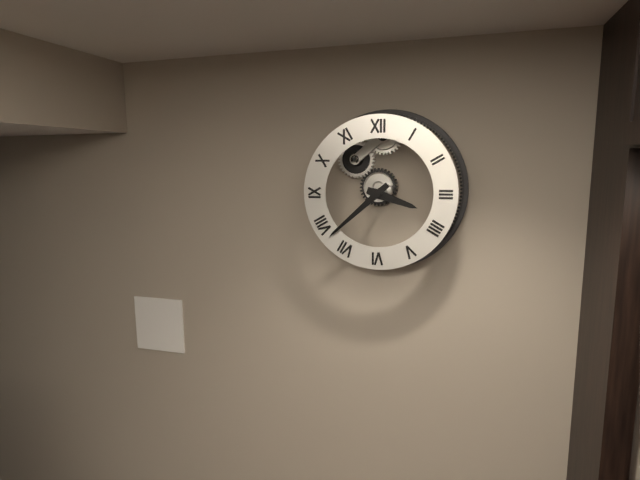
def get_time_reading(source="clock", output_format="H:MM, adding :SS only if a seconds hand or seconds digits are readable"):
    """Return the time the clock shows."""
3:38
